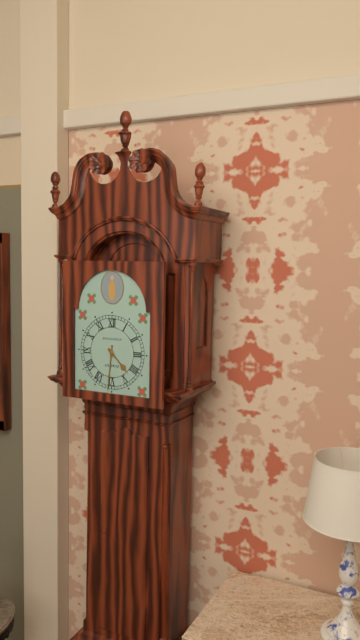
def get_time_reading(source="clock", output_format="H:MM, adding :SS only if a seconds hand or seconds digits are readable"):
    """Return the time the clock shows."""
4:31
